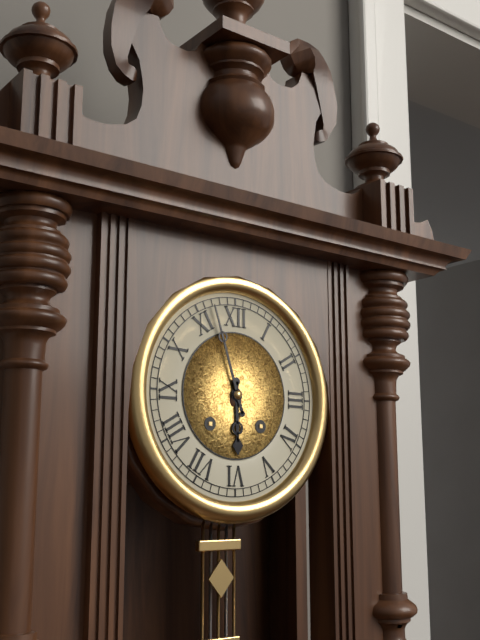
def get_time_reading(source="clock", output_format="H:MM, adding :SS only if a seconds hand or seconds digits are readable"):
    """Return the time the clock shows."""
5:57
